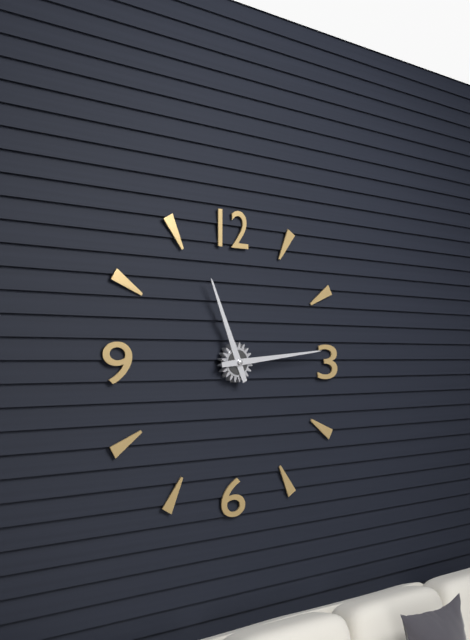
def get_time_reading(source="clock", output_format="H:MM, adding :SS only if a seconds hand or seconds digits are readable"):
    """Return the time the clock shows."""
11:14
